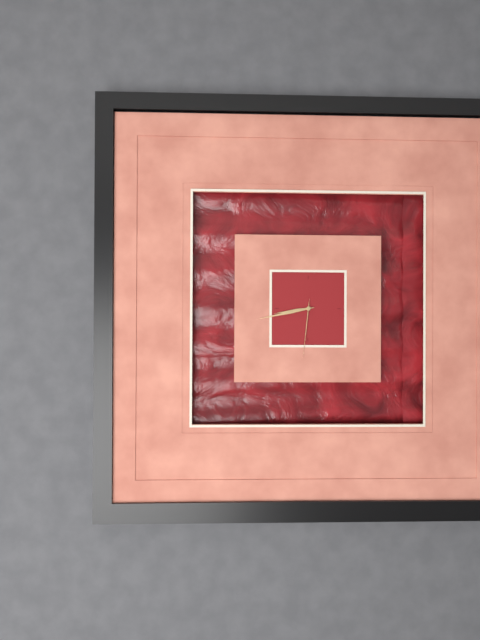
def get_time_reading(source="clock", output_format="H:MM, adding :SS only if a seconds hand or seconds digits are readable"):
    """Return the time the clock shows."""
8:43:31
